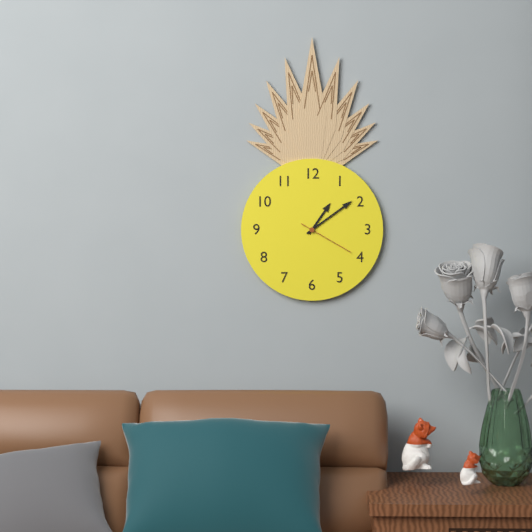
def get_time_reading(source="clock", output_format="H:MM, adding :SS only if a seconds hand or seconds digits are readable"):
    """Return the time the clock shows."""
1:09:20
